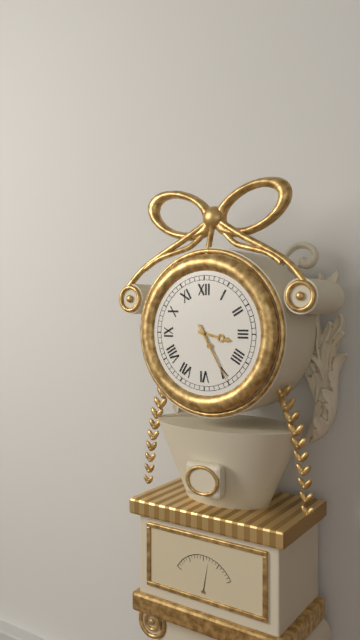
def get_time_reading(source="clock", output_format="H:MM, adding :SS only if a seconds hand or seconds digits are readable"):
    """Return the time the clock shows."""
3:25
